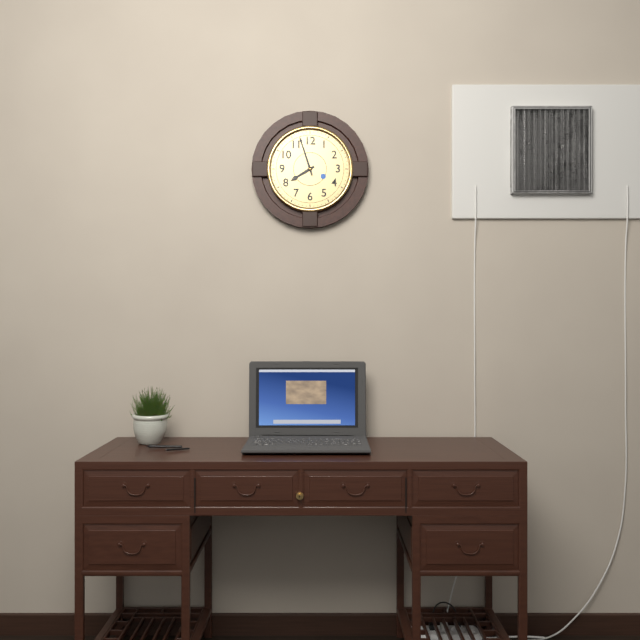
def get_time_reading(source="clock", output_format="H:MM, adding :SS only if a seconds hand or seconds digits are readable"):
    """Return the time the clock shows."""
7:57
